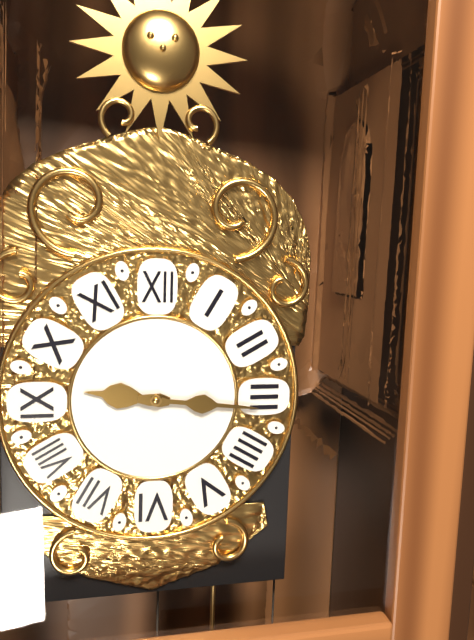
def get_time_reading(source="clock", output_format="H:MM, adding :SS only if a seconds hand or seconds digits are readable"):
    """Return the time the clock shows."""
9:16
